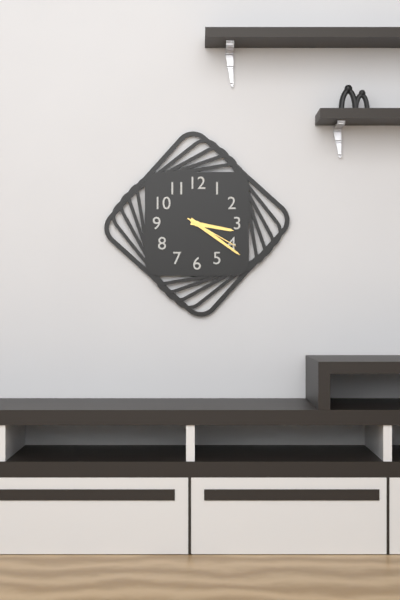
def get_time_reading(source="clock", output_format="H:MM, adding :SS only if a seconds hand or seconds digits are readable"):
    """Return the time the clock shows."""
3:21:20
